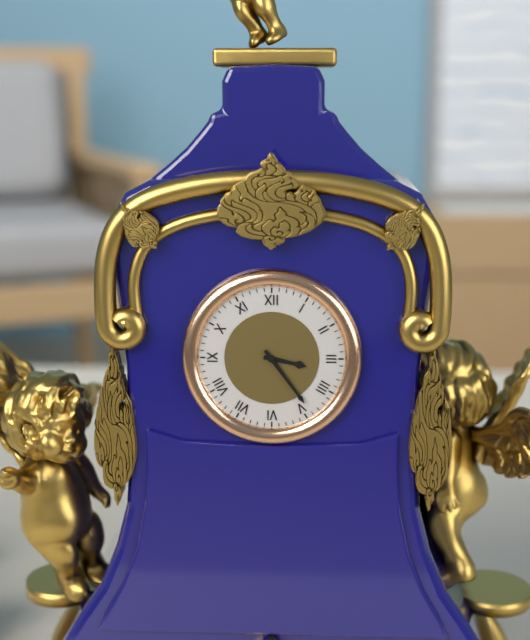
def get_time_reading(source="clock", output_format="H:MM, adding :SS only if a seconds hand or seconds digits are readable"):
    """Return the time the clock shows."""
3:24
